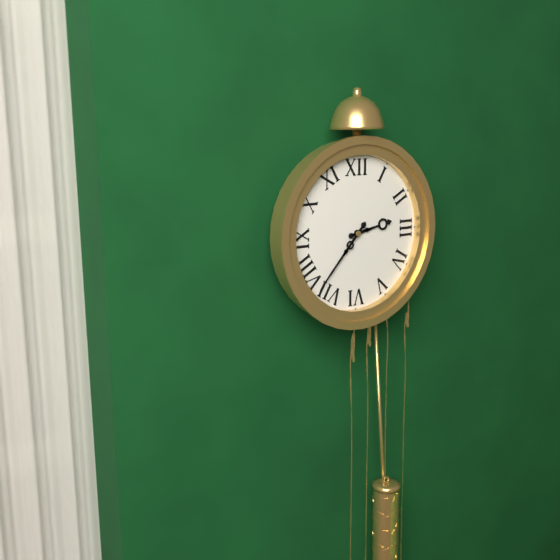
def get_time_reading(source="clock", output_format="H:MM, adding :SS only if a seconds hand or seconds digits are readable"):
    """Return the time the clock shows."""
2:37
